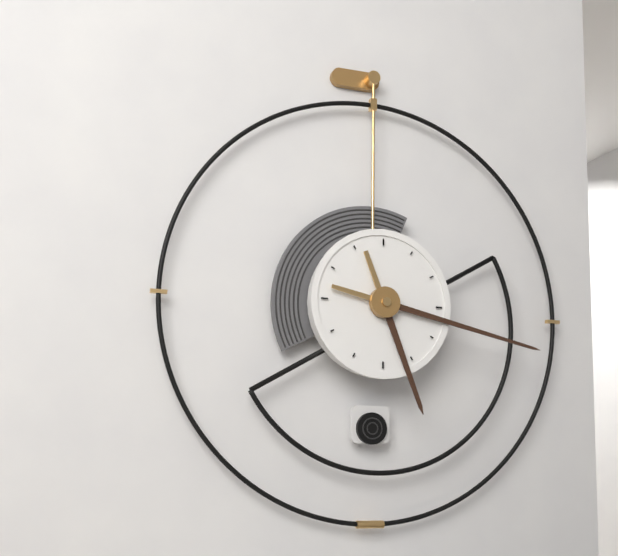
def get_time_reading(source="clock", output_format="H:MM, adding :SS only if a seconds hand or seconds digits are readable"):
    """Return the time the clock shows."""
5:17
